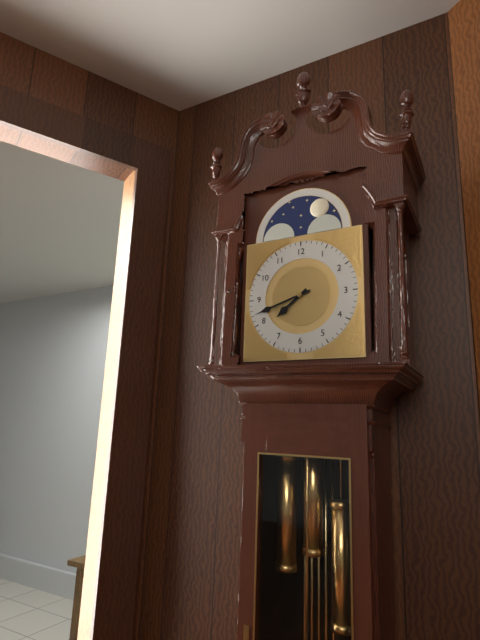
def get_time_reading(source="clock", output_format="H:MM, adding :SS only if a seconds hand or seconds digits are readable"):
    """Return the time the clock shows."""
7:42
